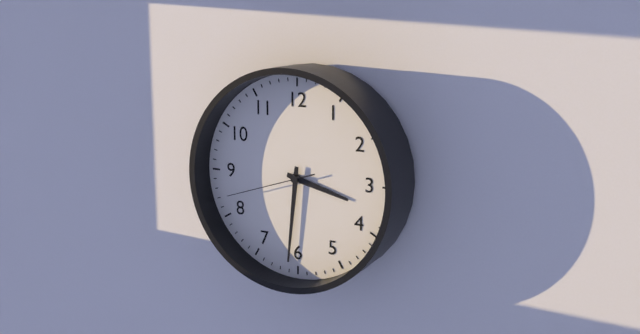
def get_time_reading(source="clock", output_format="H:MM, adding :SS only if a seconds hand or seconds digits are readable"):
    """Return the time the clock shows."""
3:31:42
